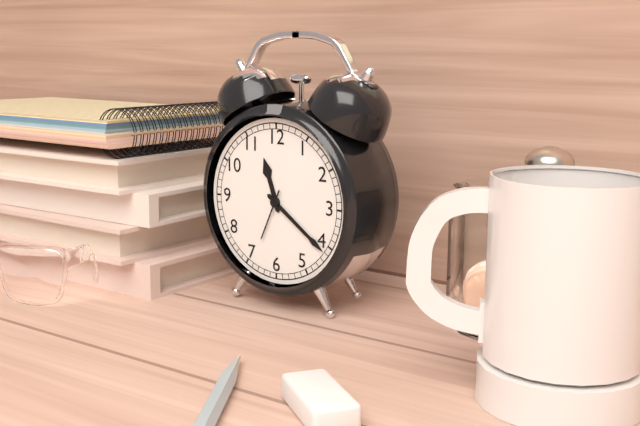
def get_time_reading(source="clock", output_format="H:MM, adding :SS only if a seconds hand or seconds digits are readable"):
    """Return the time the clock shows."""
11:21:34
